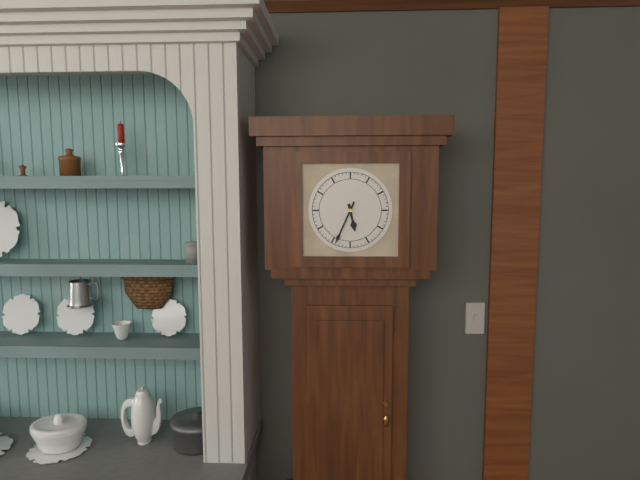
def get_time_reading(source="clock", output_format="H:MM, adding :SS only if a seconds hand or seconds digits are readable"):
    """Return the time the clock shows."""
5:34
